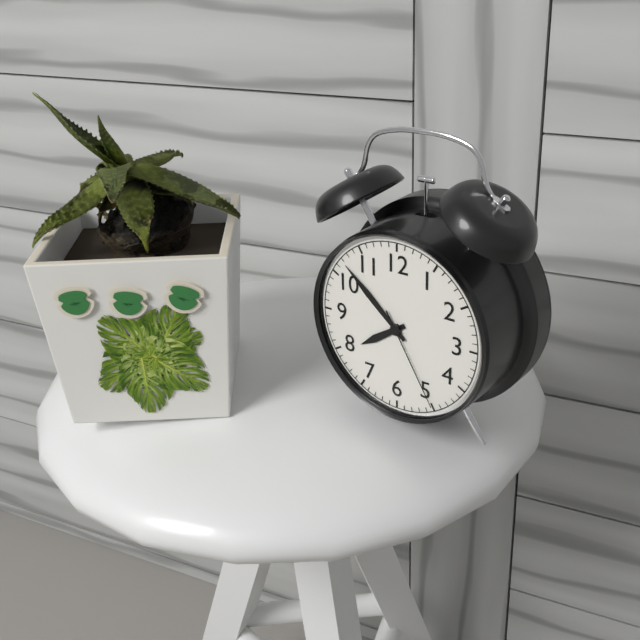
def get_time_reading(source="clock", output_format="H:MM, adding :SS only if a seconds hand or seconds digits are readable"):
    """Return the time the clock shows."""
7:52:25
